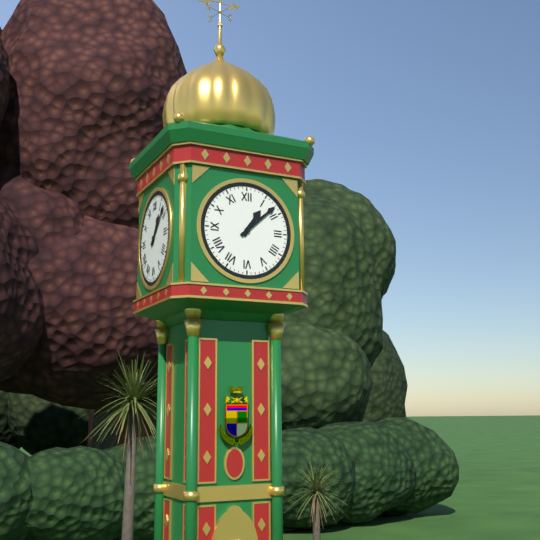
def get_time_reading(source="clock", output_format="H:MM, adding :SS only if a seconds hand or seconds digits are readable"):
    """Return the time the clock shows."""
1:08
